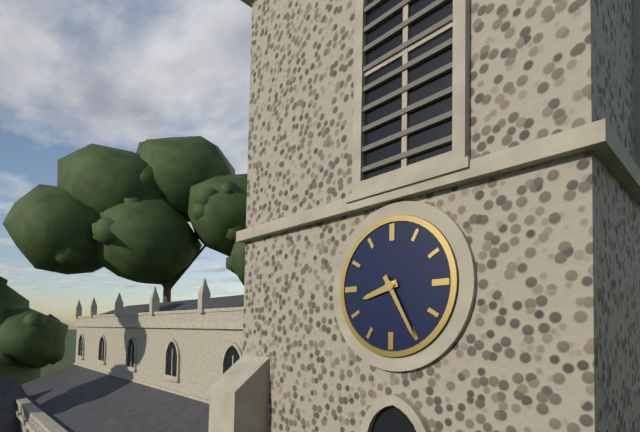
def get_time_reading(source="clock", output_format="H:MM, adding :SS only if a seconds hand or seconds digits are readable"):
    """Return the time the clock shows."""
8:25
